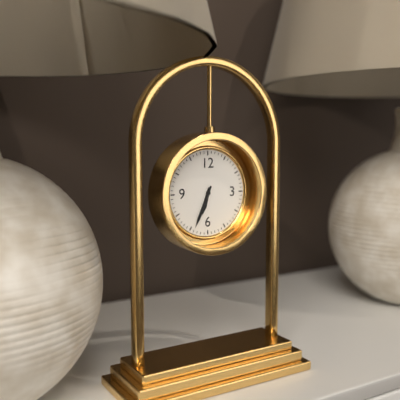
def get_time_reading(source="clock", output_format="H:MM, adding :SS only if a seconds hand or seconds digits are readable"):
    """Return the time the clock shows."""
6:34
